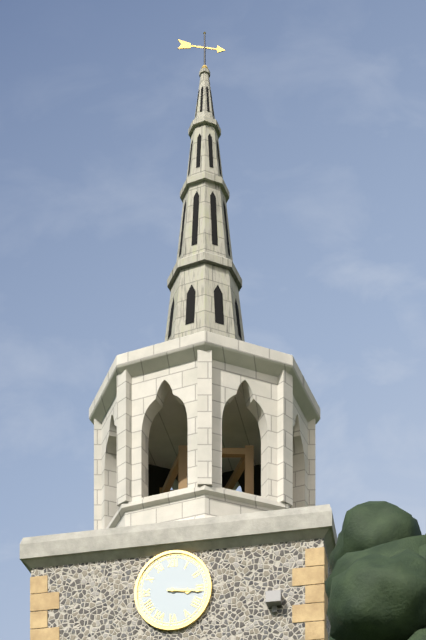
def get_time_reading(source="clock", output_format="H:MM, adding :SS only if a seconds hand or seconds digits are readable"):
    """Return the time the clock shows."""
3:16
